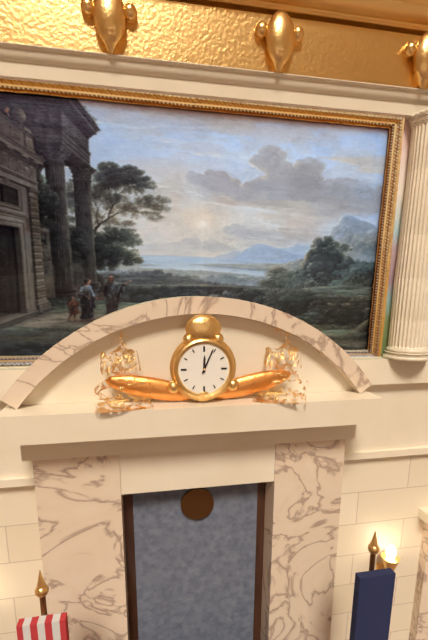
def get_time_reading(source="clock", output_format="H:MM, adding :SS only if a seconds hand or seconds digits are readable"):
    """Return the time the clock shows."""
12:04
